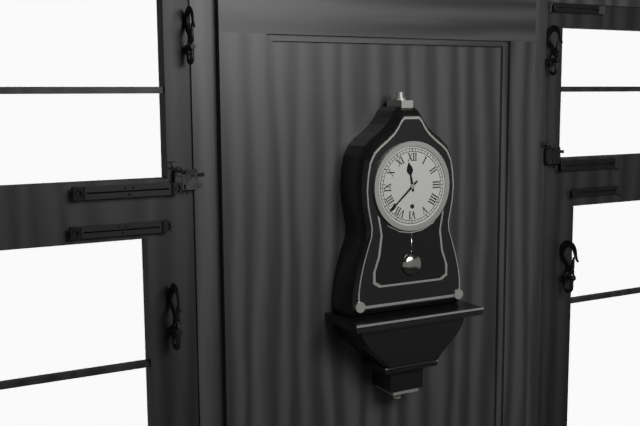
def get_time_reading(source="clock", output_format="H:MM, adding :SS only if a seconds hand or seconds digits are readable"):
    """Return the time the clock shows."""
11:38
